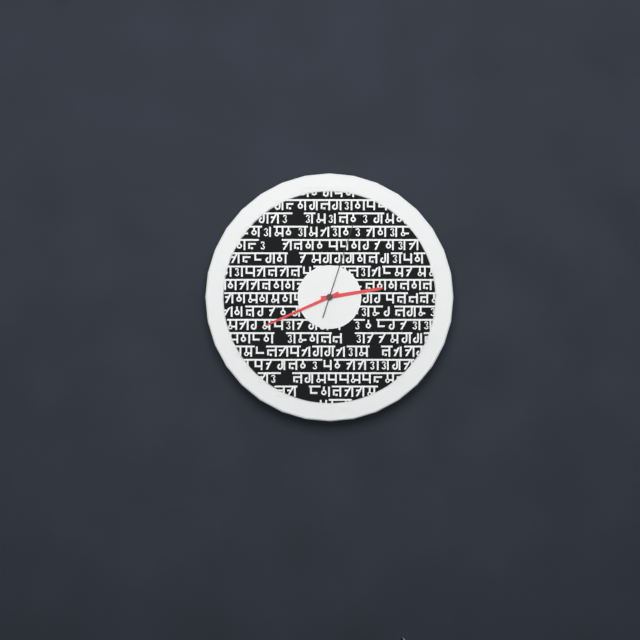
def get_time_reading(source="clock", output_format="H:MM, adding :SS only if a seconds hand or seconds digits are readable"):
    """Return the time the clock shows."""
2:41:03
